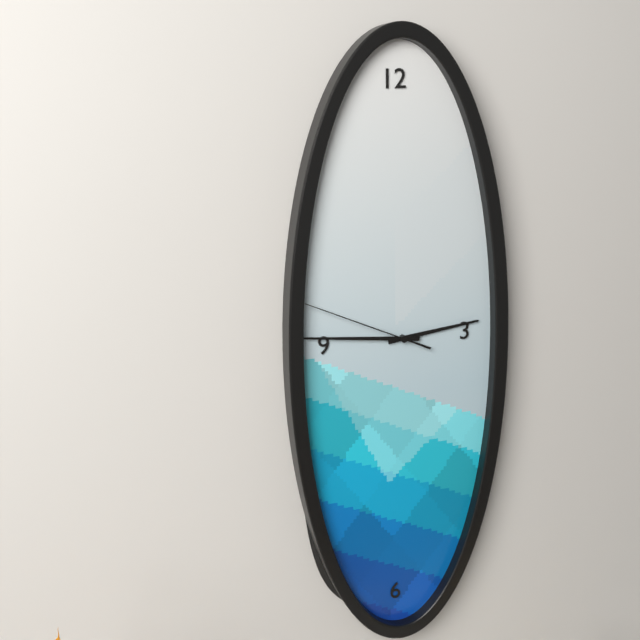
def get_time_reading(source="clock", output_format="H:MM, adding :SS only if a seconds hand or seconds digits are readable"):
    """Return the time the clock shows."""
2:46:49
